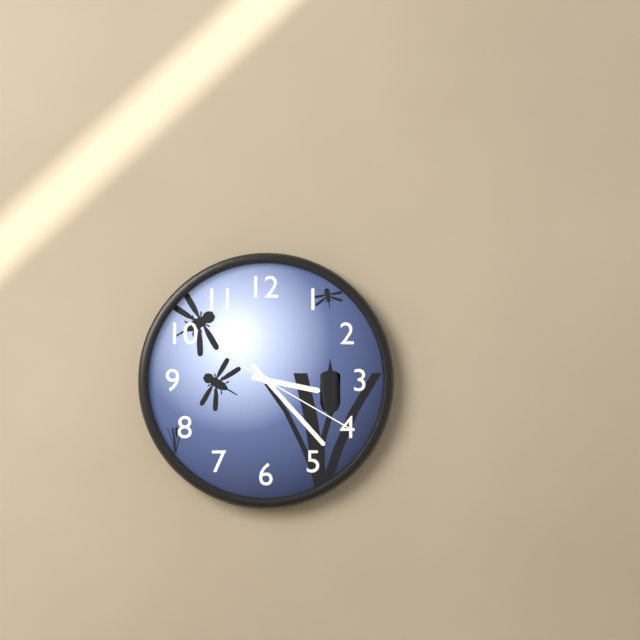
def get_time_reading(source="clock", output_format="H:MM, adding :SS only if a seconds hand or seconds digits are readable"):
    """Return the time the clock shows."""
3:23:20
